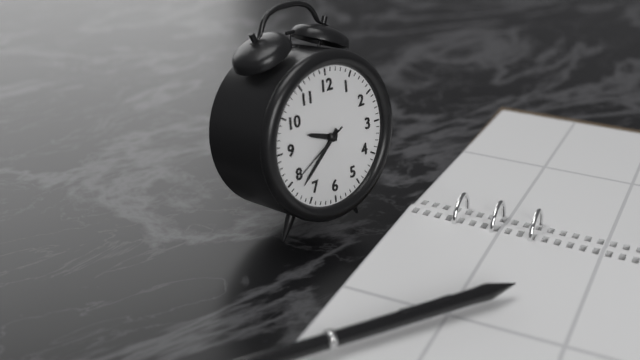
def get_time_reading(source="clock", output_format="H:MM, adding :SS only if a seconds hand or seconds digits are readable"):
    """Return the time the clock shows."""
9:38:40
